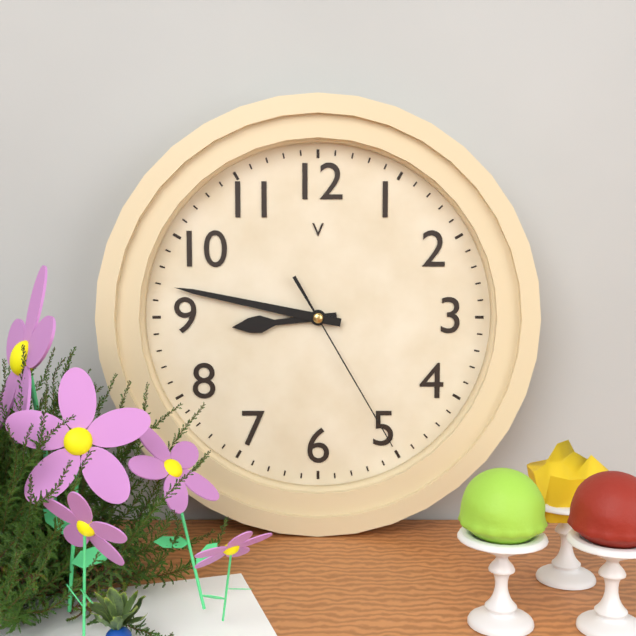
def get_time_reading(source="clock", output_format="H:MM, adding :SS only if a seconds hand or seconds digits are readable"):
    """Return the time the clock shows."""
8:47:25
